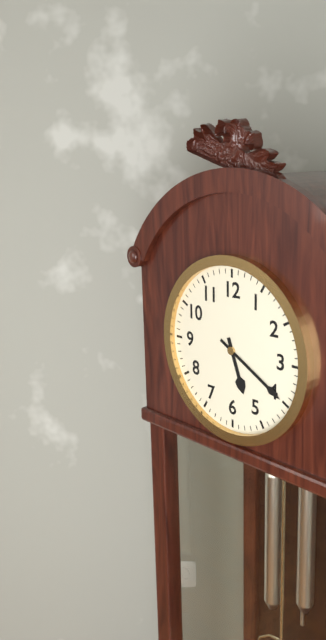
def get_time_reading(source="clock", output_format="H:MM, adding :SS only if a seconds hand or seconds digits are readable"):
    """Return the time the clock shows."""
5:20
